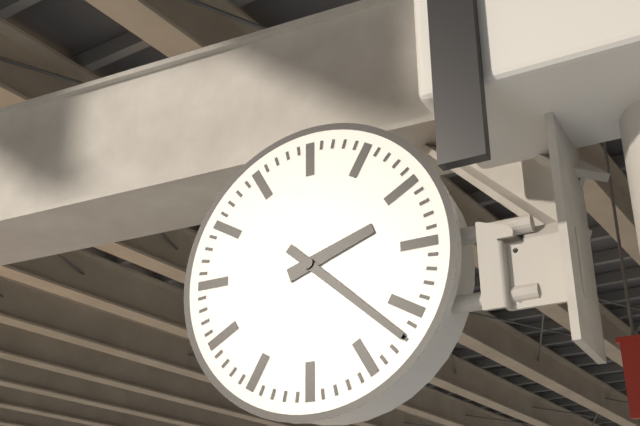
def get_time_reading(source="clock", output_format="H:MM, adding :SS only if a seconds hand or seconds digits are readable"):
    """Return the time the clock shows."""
2:22
